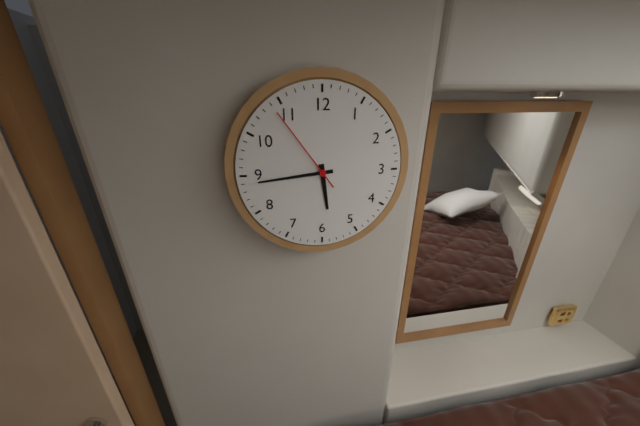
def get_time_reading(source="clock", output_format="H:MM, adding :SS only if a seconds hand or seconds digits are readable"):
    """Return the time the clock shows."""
5:44:54
